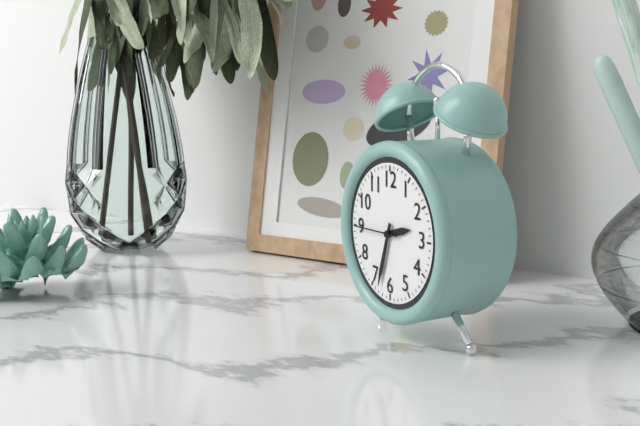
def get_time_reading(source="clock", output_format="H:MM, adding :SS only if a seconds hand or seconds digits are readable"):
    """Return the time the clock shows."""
2:33
